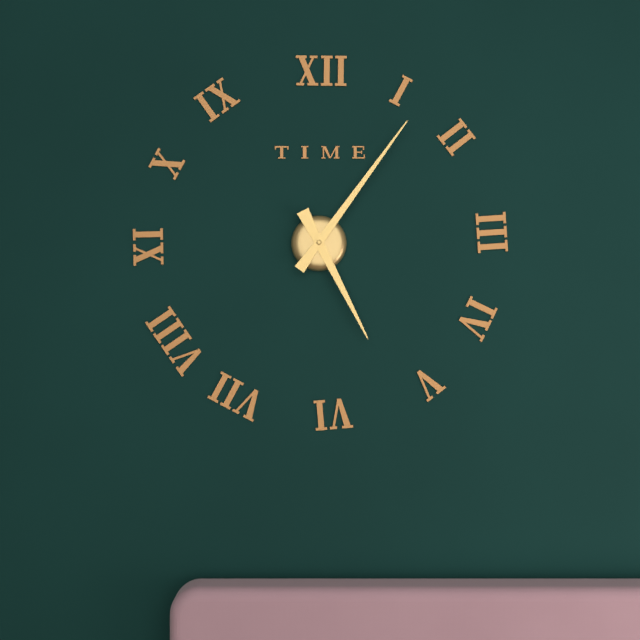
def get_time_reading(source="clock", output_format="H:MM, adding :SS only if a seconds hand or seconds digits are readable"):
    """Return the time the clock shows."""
5:06
